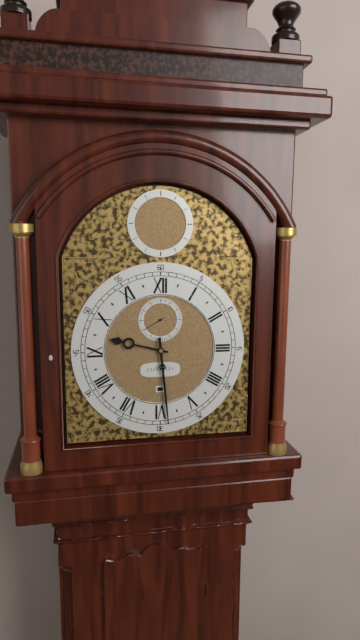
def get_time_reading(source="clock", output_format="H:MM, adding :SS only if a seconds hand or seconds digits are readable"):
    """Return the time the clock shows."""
9:29
